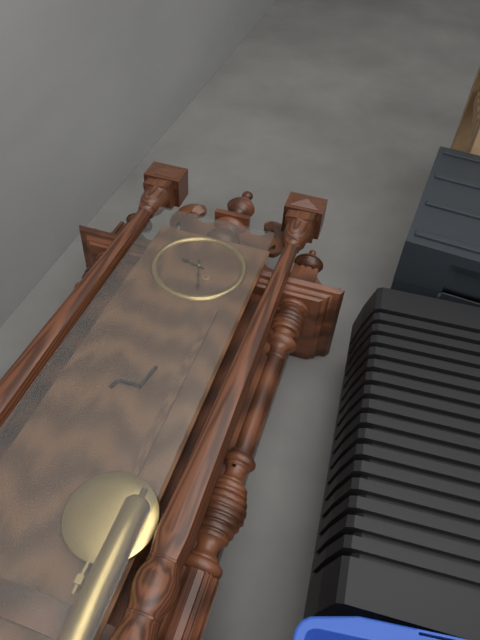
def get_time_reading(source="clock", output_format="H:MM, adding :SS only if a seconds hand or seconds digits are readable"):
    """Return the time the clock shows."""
9:27
